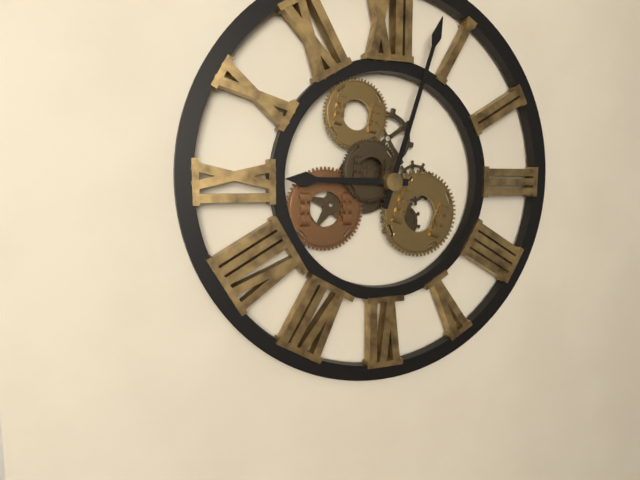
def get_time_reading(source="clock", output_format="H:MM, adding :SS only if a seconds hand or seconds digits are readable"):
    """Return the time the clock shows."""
9:03
